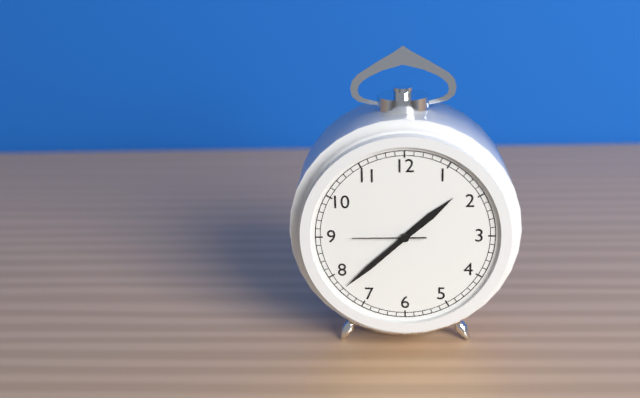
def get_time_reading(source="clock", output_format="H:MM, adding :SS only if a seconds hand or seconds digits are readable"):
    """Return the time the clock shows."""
1:38:45
